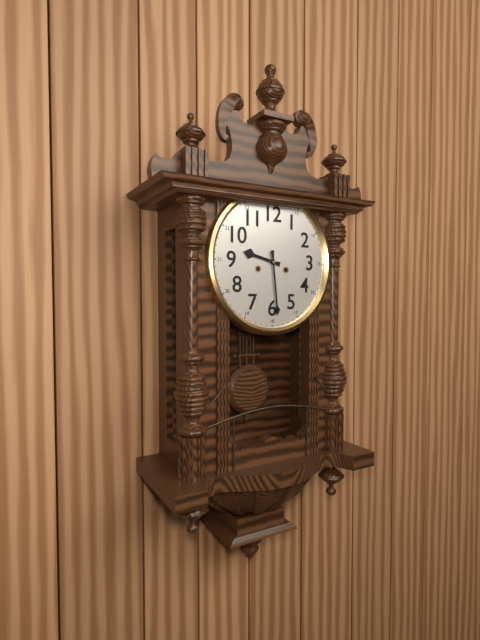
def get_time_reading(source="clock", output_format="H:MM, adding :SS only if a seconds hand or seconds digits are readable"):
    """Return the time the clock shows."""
9:29
